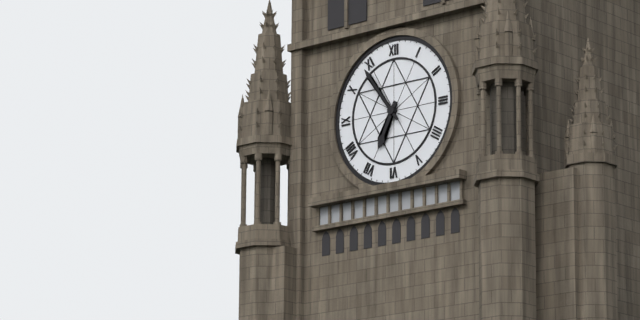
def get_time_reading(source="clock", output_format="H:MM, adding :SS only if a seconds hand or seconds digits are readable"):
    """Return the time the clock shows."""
6:54
